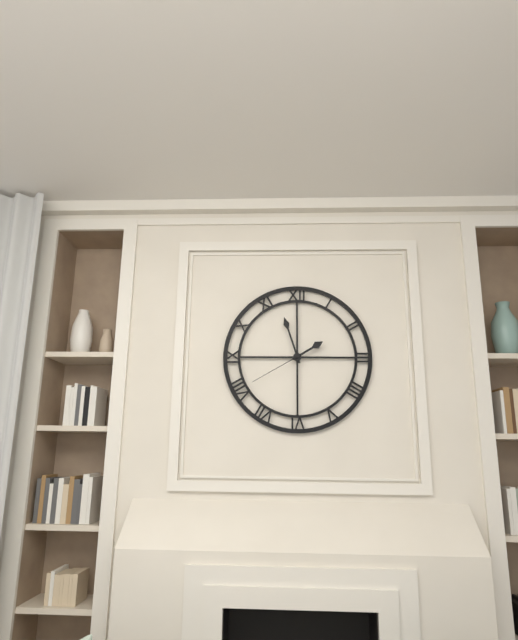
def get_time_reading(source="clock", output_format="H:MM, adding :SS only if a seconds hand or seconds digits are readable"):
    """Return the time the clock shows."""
1:57:40
